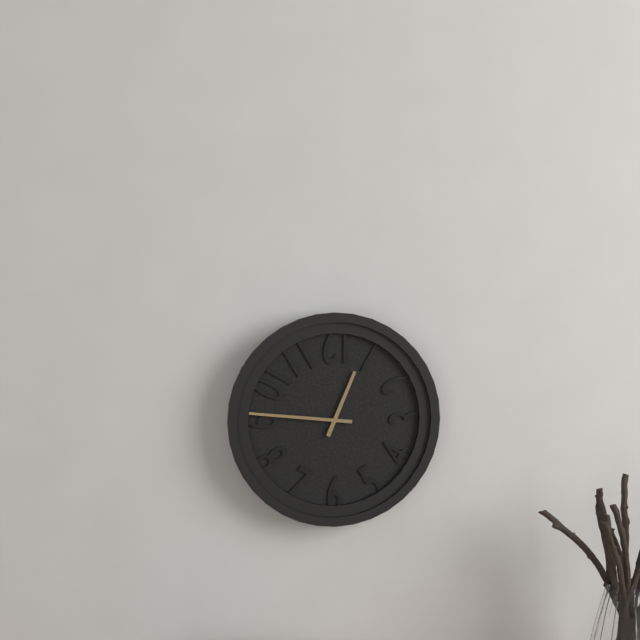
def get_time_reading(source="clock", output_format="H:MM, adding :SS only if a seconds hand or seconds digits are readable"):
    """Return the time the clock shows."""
12:46
